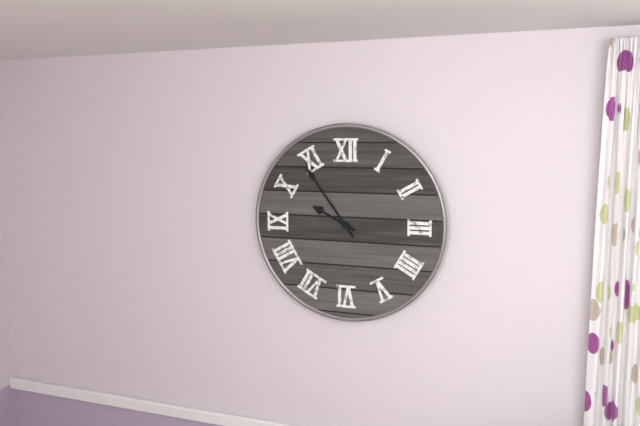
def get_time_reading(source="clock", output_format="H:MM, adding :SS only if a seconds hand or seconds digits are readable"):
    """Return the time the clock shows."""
9:54
